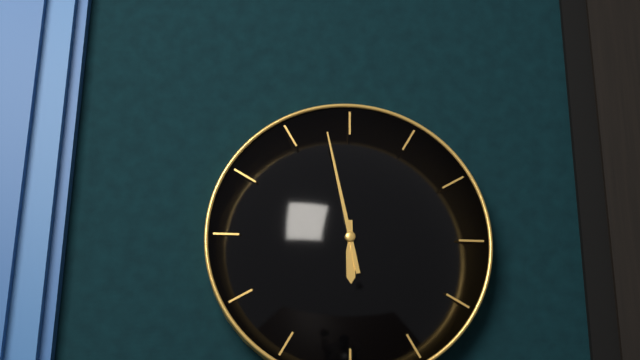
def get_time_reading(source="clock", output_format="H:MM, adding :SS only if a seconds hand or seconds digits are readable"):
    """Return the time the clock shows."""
5:58
